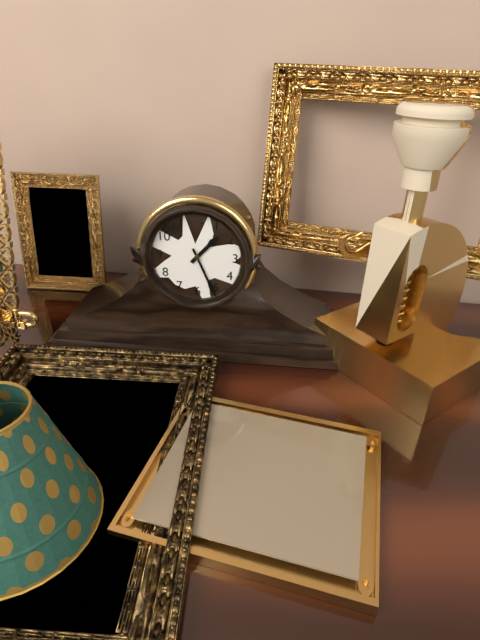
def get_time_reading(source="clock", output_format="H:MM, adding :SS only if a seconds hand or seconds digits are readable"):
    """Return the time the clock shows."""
1:26
